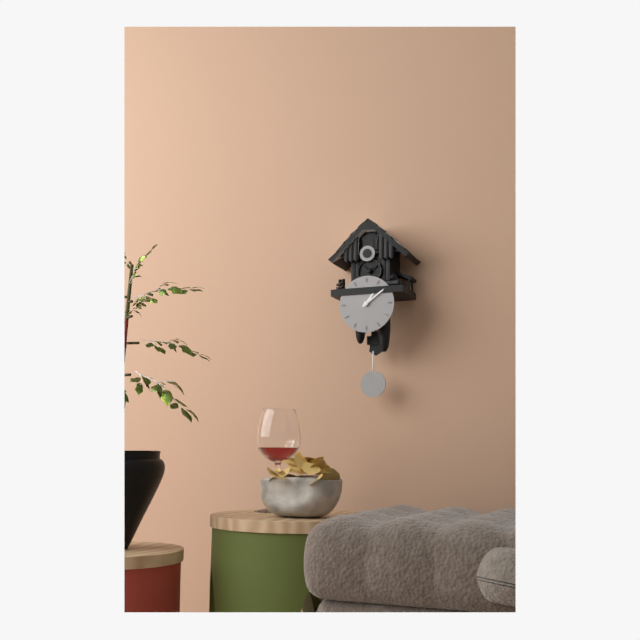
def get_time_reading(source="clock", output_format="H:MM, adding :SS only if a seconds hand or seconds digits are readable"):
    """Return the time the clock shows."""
1:09
